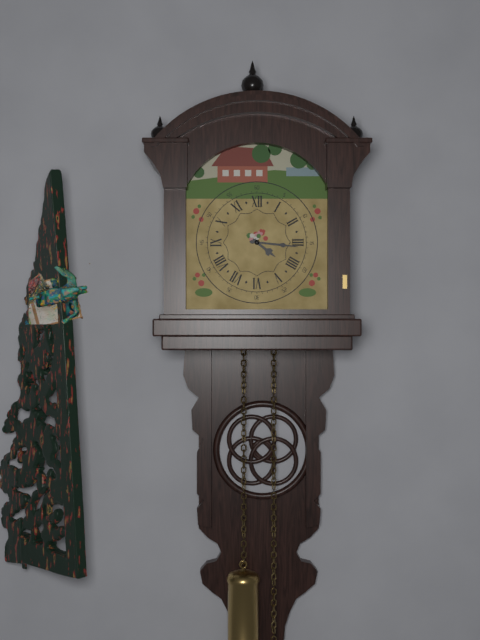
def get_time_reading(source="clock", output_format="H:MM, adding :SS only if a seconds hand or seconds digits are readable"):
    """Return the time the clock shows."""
4:16
